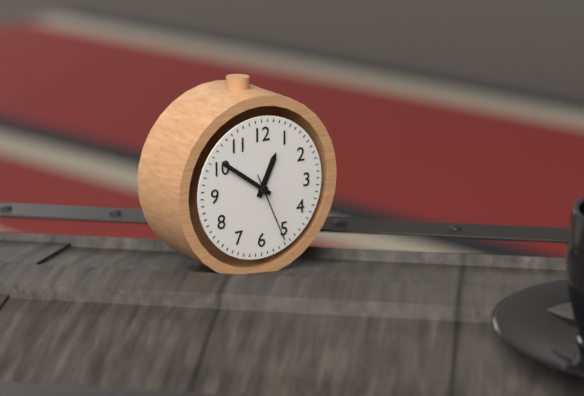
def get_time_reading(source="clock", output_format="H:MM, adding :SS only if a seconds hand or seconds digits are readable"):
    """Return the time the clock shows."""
12:51:26
